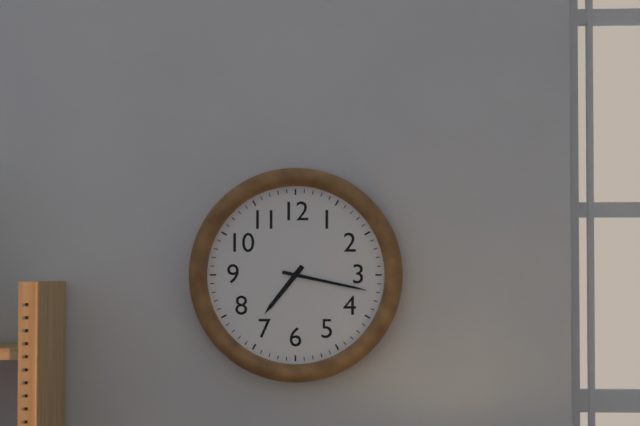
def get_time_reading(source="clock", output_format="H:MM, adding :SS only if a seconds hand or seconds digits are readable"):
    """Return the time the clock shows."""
7:17
